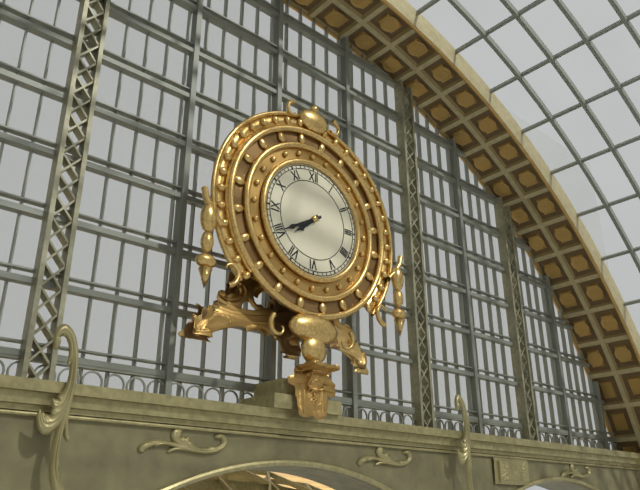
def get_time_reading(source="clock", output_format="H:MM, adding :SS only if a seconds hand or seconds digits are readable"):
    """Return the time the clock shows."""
7:40
